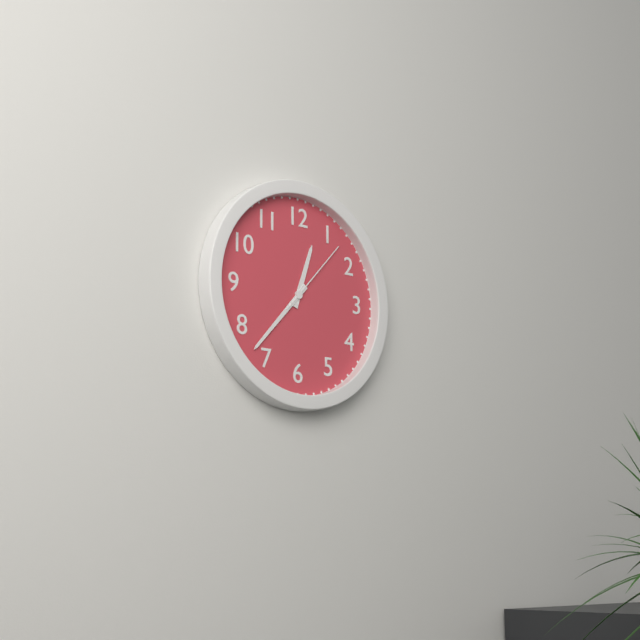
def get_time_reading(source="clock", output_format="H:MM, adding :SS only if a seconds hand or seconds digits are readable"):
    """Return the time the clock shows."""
12:37:07
